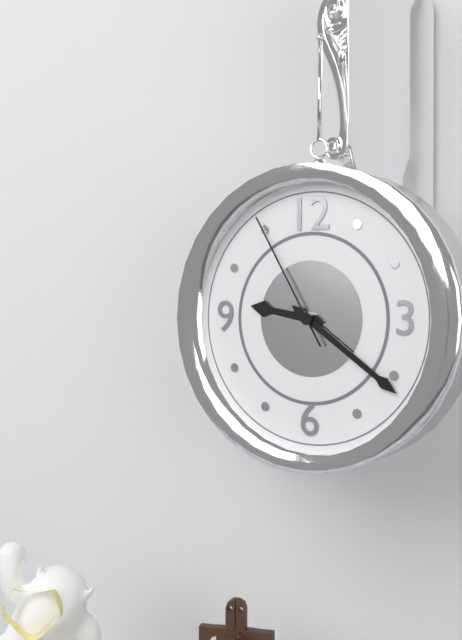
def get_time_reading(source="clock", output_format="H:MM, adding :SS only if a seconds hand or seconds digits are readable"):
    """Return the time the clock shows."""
9:21:55
